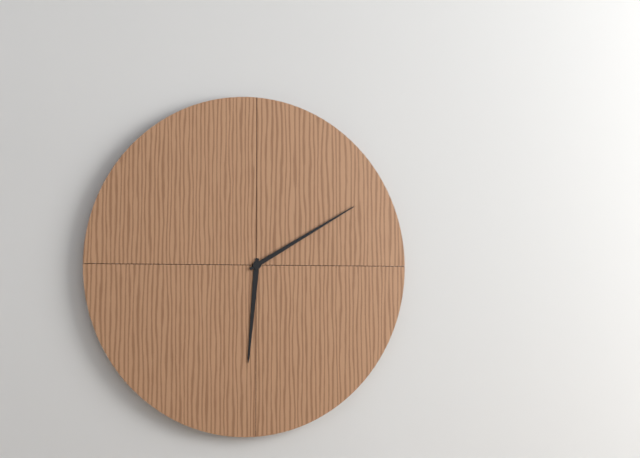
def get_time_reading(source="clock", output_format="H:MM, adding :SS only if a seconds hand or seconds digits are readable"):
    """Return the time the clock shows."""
6:10
